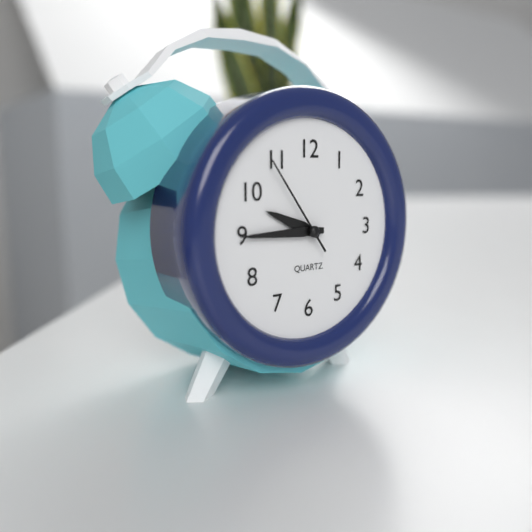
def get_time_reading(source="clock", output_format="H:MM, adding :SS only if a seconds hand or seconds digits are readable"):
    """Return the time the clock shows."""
9:45:54
